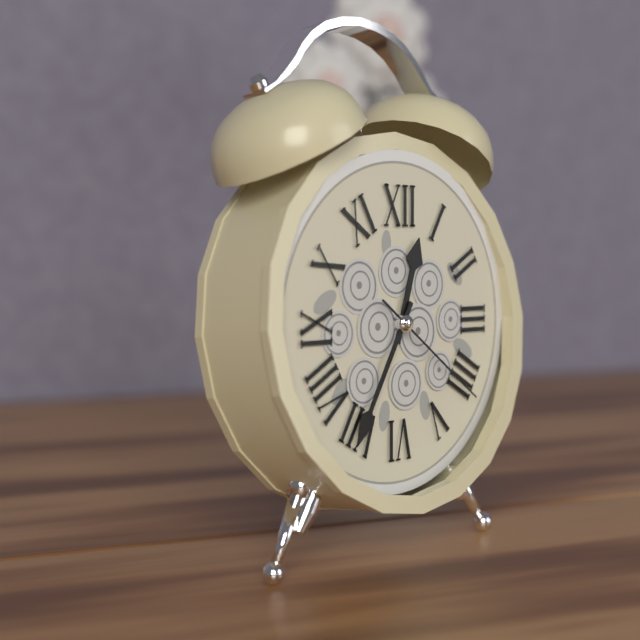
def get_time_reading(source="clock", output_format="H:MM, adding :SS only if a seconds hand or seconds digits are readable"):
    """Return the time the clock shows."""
12:35:21
